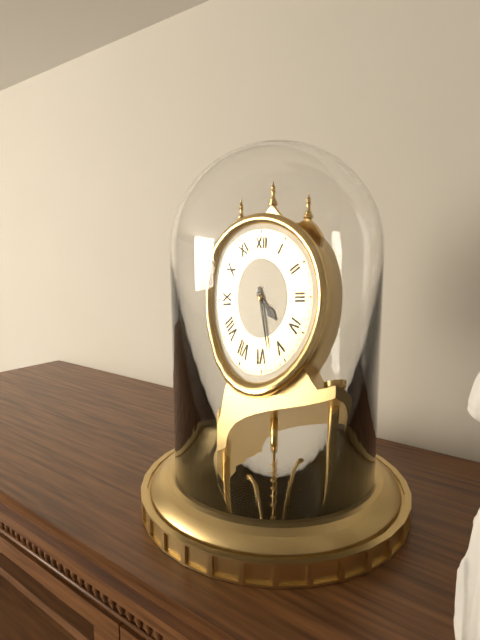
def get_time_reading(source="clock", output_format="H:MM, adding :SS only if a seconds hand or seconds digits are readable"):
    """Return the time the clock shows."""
4:28
